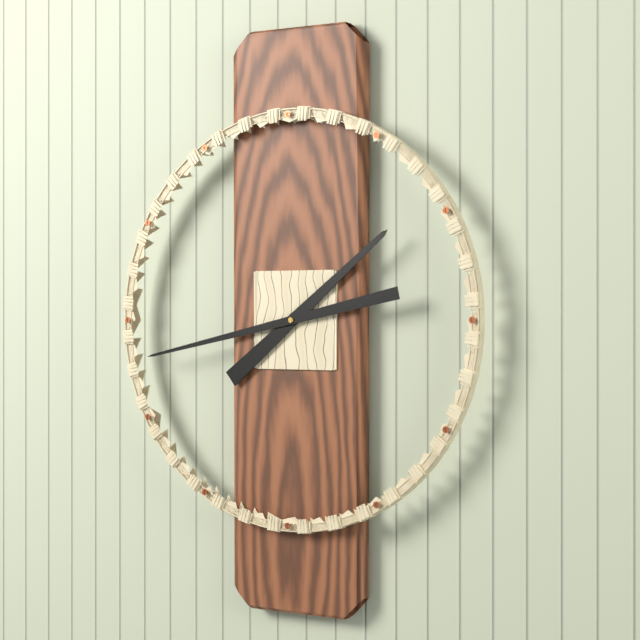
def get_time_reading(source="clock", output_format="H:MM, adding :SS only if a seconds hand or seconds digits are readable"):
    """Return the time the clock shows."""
1:43
